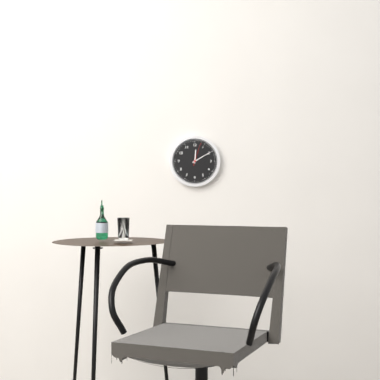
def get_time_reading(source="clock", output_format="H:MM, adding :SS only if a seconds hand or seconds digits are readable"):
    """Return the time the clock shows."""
12:10
